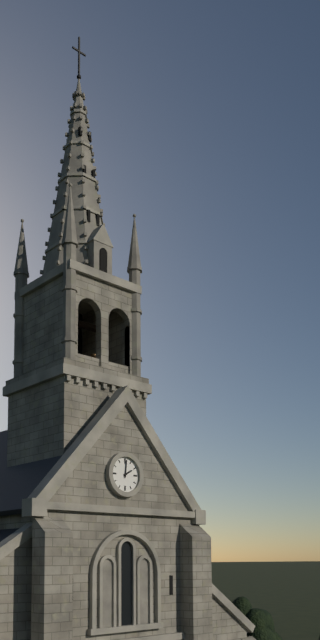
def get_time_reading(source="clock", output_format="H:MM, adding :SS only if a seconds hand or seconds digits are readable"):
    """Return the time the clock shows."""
2:01
